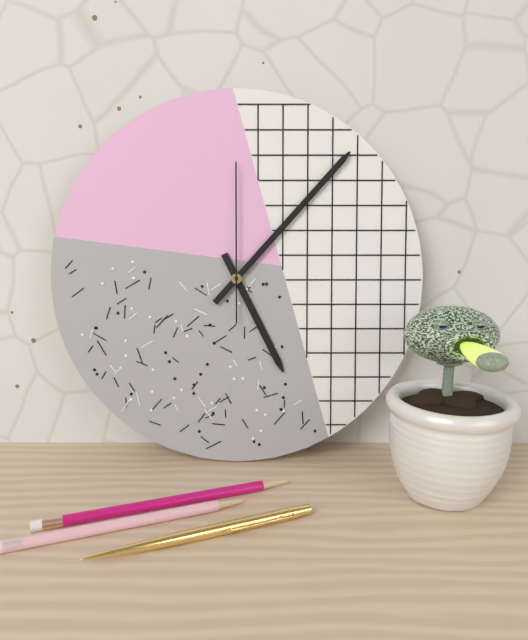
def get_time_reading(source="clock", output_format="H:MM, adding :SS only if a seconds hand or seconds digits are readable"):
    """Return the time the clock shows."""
5:07:00
